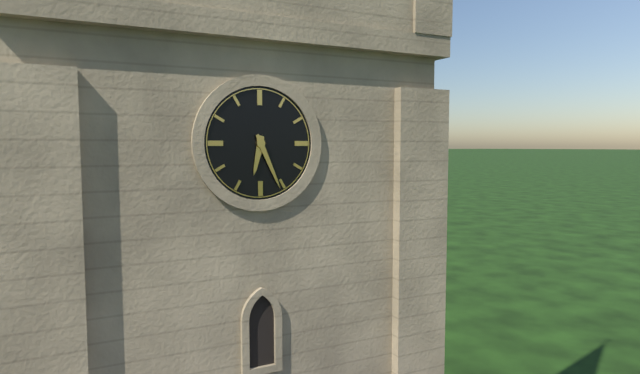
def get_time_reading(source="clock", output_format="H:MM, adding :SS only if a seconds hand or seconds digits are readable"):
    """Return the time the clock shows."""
6:26
